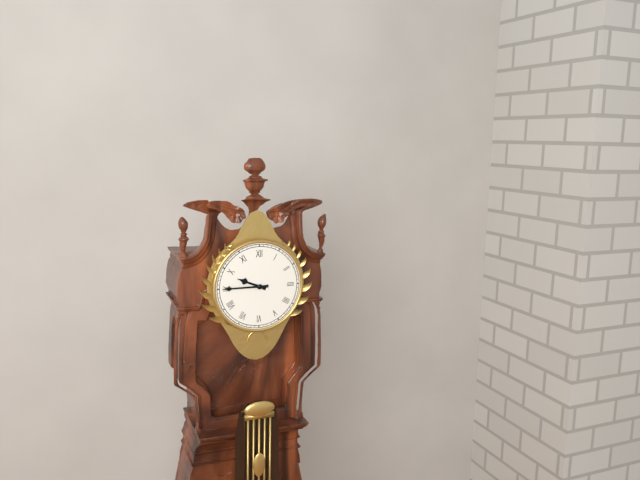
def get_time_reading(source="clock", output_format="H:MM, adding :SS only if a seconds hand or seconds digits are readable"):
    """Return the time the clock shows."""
9:45
